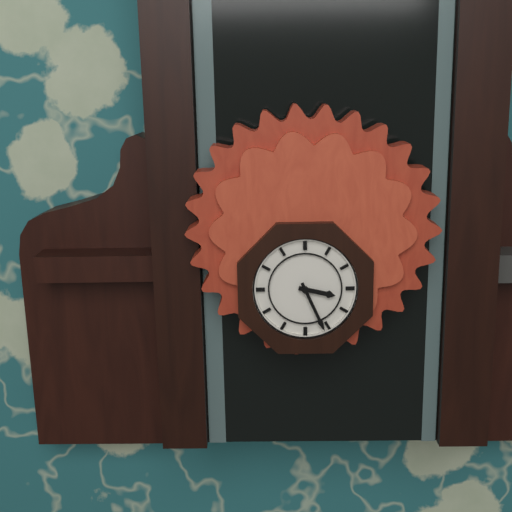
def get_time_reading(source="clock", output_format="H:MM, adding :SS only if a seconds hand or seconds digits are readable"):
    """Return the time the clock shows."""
3:26
